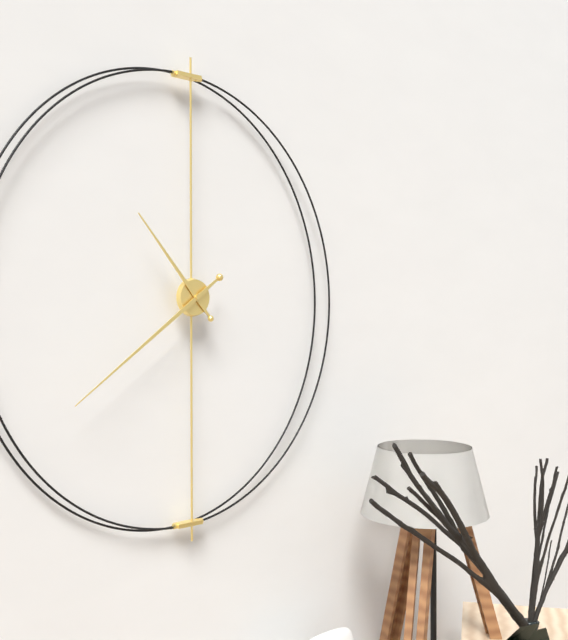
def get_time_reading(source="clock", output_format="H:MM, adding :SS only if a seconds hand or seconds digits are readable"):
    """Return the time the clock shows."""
10:39
